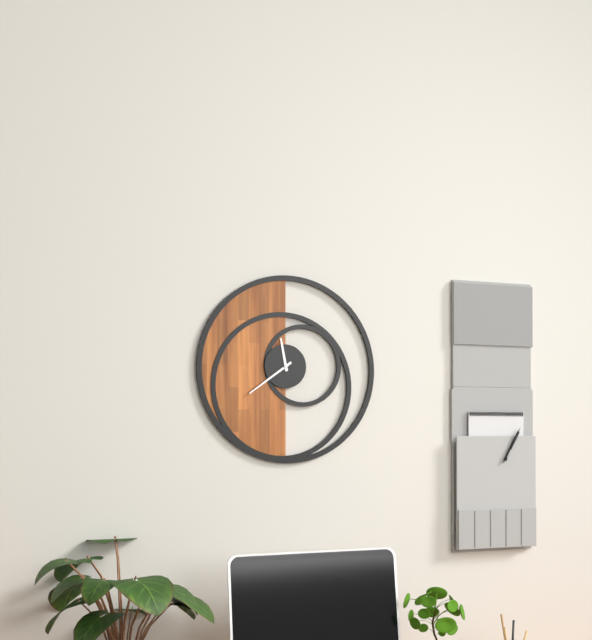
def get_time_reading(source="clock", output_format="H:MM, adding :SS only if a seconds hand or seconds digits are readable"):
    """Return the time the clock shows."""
11:39
